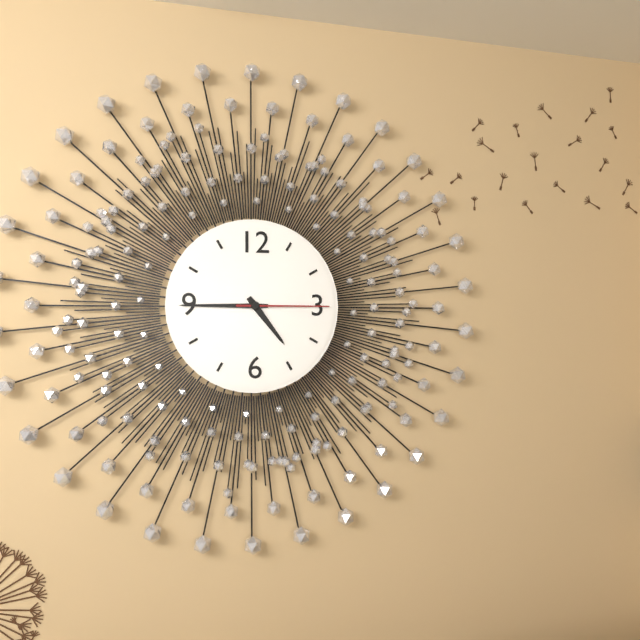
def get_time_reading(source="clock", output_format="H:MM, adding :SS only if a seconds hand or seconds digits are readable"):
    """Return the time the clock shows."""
4:45:15
